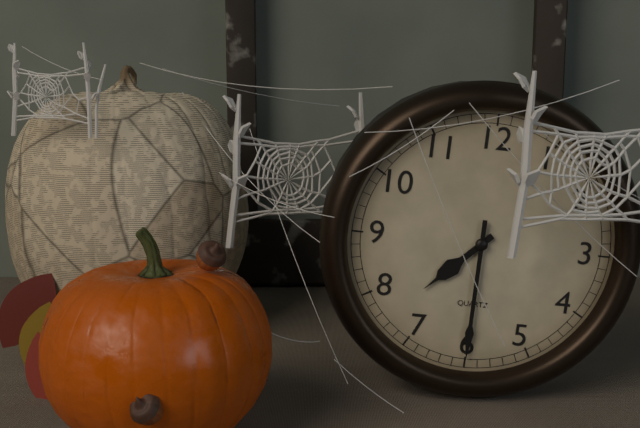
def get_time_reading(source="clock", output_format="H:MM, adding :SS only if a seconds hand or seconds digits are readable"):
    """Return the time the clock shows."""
7:30
